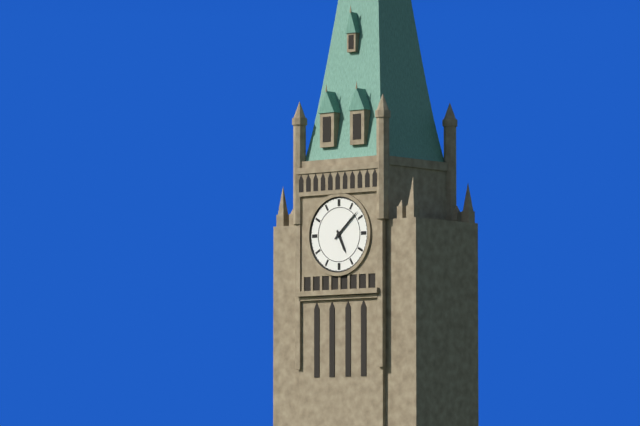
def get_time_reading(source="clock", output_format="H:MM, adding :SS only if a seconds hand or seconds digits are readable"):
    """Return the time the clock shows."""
5:08
